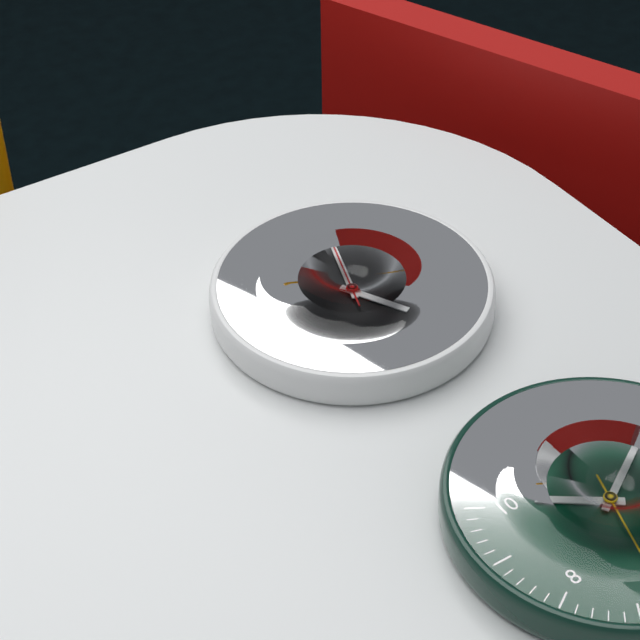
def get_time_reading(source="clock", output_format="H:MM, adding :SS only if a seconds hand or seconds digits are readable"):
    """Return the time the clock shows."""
5:03:03
